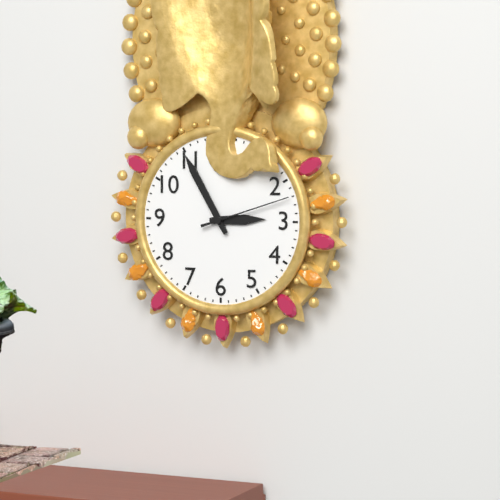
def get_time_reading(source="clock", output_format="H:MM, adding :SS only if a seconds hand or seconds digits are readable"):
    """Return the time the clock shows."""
2:55:12
